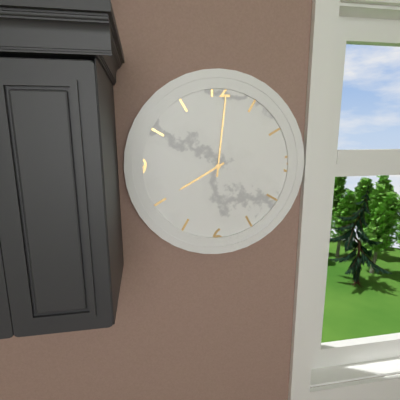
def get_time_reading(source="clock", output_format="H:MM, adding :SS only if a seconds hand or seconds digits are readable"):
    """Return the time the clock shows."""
8:01
